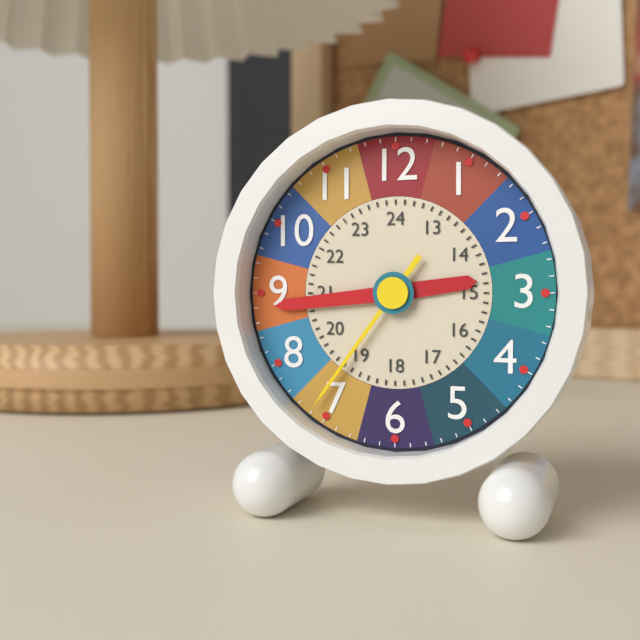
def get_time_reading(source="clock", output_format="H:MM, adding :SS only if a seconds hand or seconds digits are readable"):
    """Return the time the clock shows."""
2:44:36
